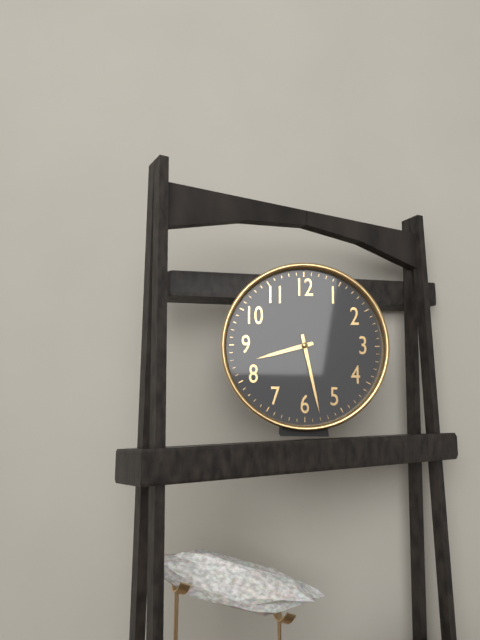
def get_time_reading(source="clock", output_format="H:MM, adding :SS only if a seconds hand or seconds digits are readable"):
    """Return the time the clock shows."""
8:28
